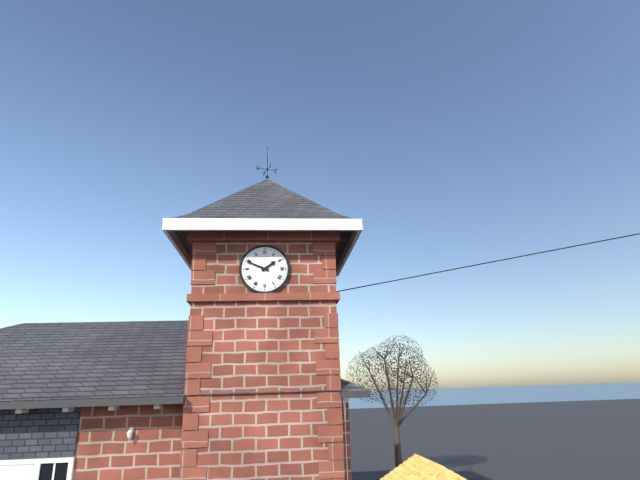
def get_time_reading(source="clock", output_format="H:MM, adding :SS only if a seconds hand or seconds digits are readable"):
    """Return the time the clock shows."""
1:49
